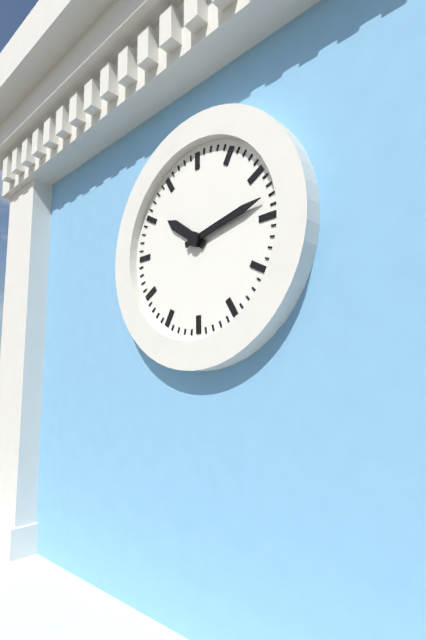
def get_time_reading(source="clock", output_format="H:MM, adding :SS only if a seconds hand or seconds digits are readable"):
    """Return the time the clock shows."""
10:13
